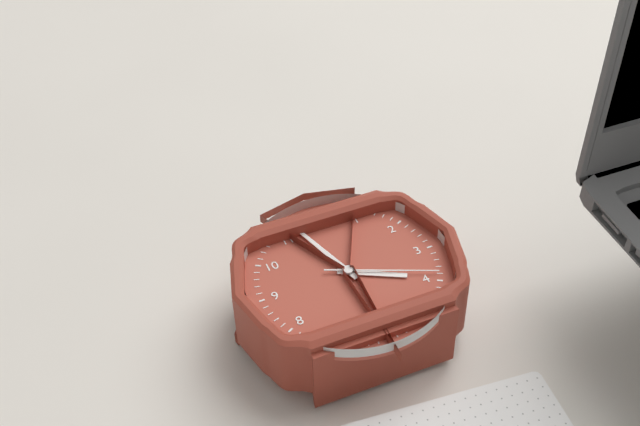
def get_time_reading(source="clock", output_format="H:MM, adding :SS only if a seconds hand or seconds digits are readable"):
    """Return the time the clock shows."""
3:57:19
